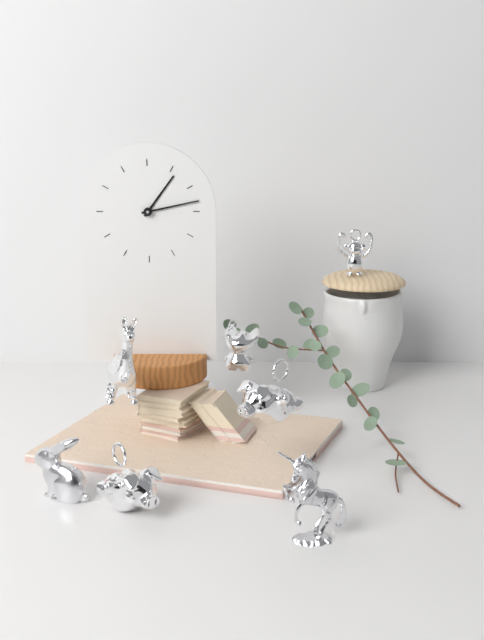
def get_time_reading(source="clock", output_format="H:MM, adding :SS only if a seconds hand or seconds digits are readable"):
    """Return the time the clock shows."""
1:13
